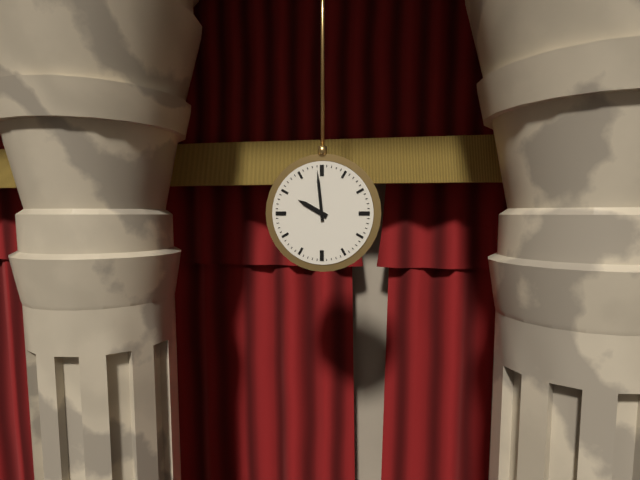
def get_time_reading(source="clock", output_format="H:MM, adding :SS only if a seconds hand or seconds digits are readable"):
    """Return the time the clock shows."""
9:59
